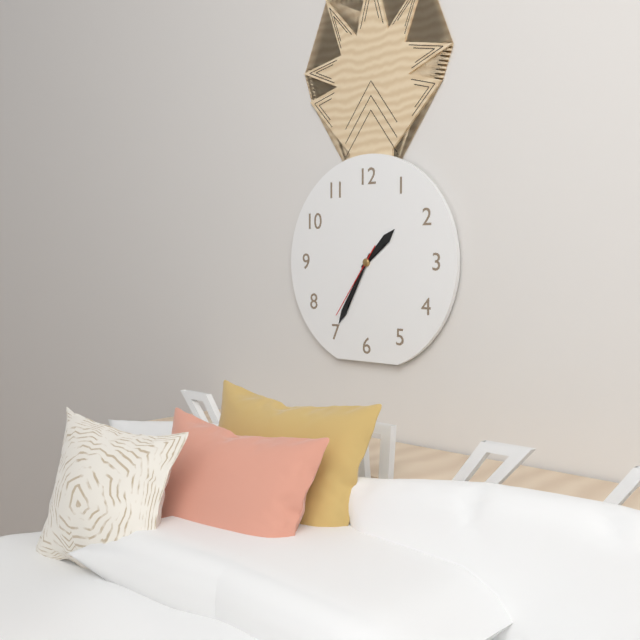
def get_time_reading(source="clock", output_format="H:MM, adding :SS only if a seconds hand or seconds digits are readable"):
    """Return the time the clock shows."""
1:35:36
